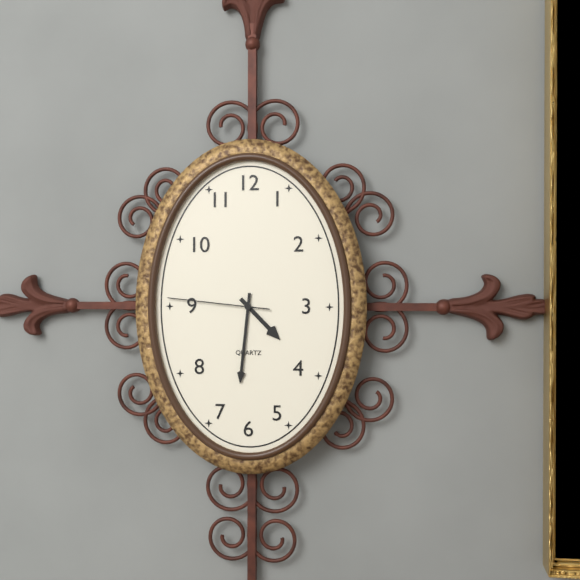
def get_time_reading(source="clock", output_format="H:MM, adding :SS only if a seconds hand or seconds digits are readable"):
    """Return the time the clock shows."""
4:31:46
